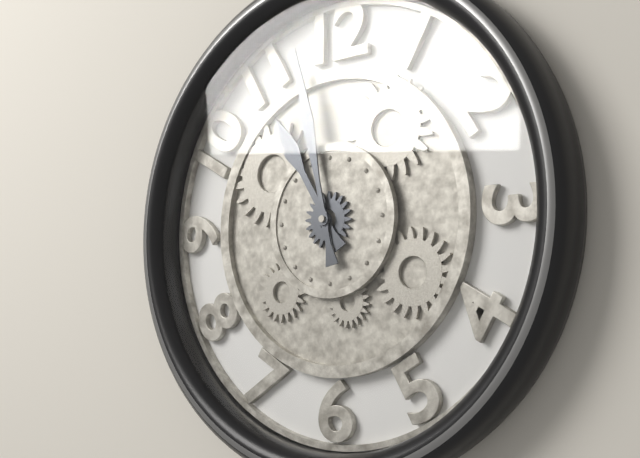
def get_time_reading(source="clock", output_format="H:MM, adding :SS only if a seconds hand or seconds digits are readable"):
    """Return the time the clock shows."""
10:58
